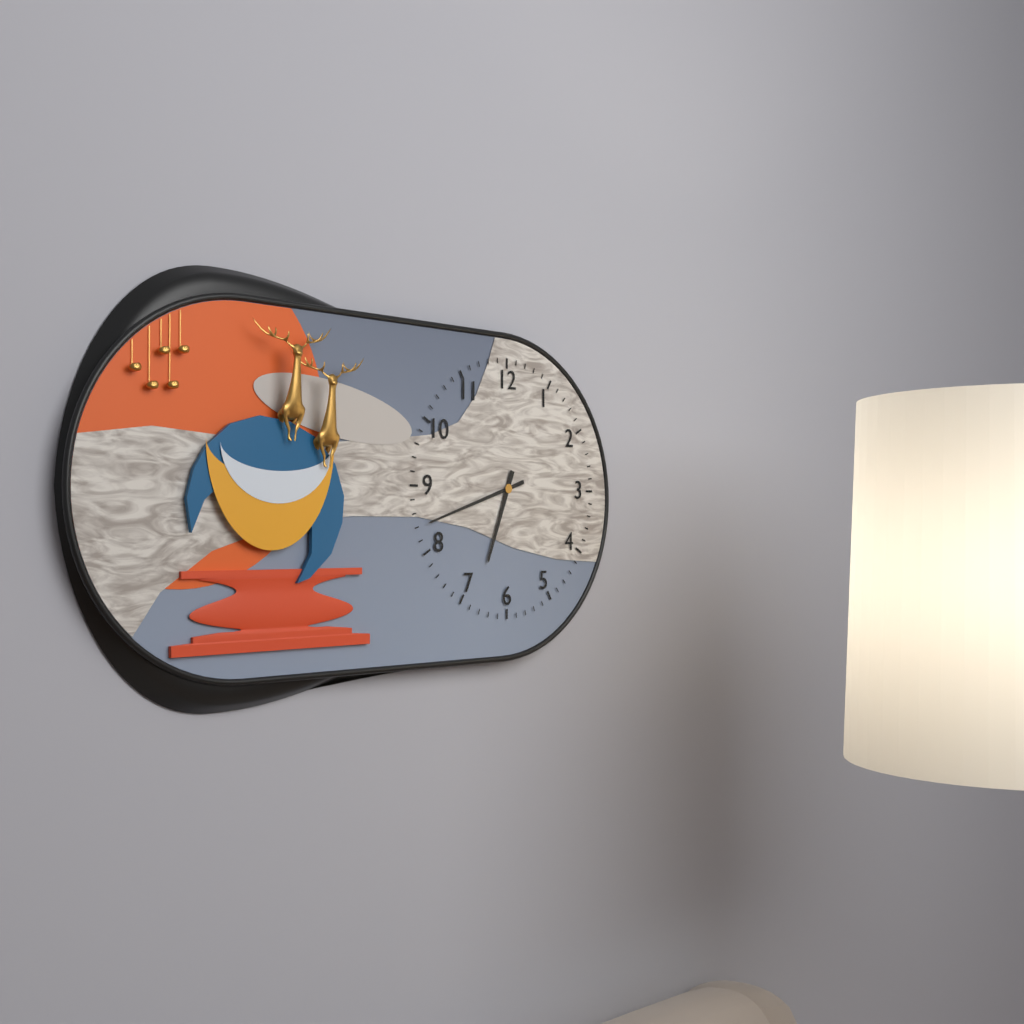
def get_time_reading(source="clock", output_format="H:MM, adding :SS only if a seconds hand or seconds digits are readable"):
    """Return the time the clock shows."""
6:42
